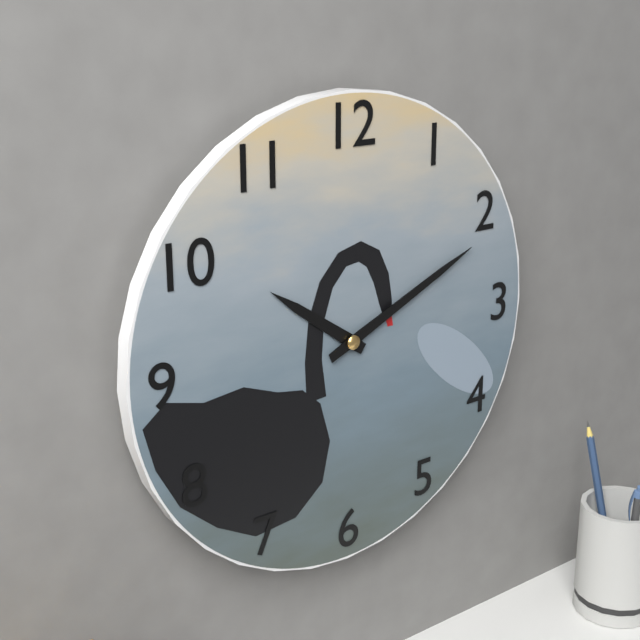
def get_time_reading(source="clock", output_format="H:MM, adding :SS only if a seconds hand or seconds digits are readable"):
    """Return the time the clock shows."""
10:11
